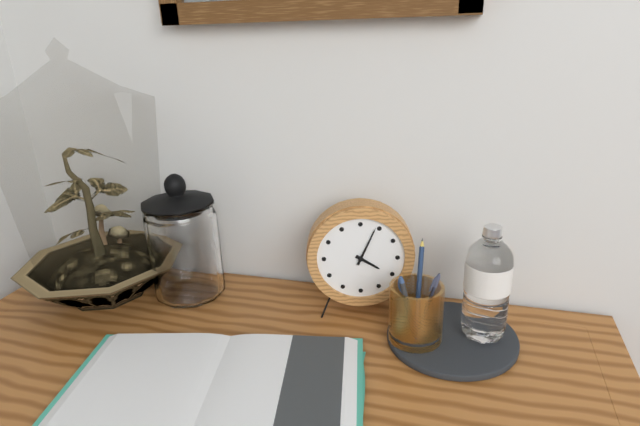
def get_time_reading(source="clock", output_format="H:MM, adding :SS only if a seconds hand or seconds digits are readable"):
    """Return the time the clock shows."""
4:04
